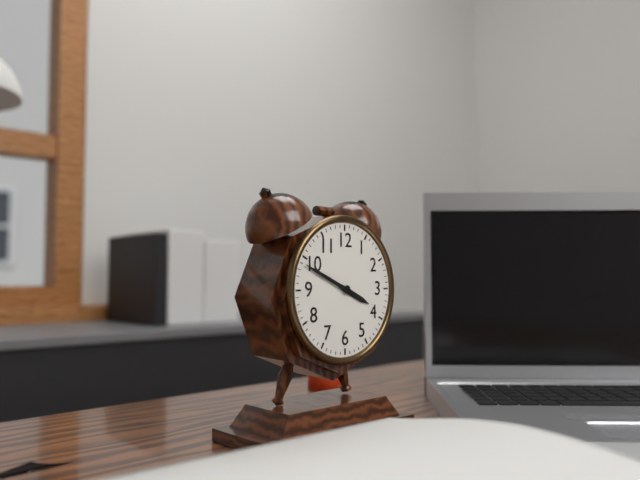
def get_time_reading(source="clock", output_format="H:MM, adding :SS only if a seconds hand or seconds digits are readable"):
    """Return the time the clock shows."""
3:49
